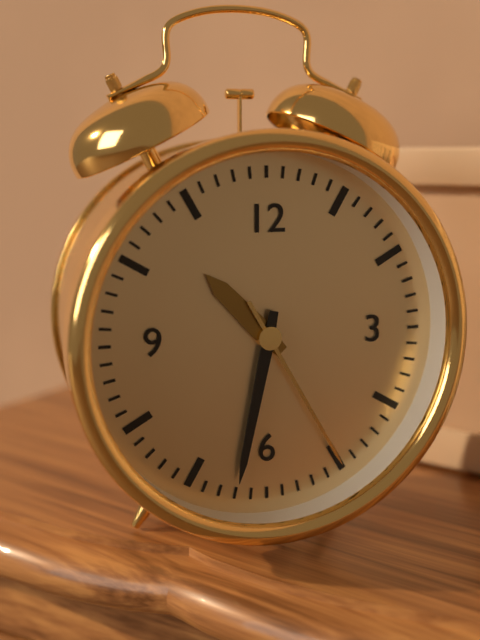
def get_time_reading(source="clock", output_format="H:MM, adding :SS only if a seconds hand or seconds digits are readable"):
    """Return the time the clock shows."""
10:32:25
